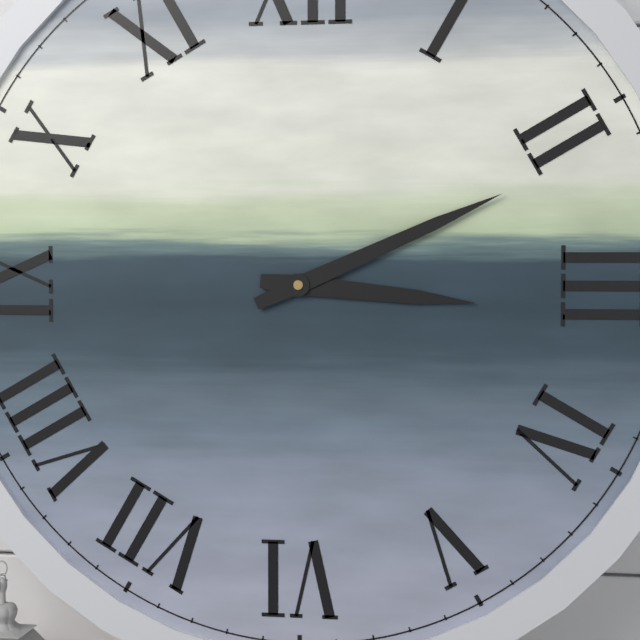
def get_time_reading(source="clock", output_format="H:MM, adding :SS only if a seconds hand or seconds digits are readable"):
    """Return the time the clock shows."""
3:11
